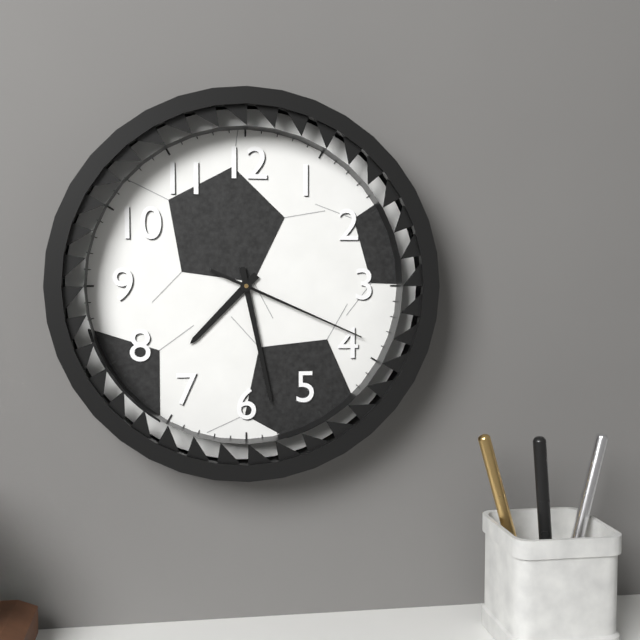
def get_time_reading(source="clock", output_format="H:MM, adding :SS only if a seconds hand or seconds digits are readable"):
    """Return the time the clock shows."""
7:28:19
